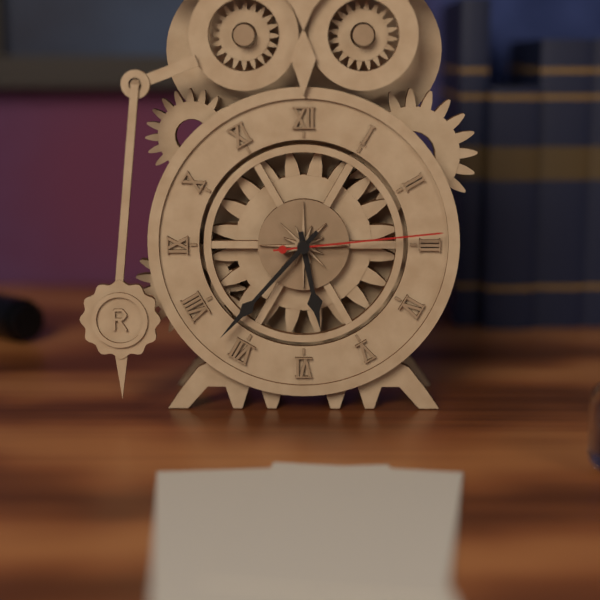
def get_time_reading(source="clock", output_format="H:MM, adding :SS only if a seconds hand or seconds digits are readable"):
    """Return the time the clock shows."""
5:37:14
